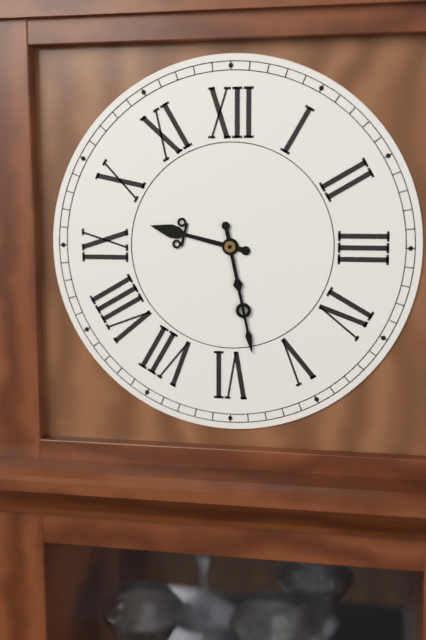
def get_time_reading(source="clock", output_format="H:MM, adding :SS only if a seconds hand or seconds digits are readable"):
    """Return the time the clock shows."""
9:28
